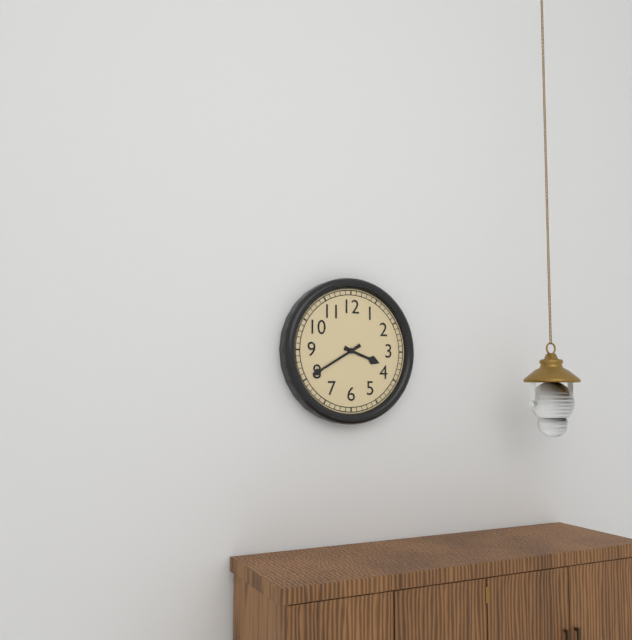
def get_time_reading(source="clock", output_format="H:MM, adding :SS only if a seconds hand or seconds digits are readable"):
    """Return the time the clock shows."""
3:40
